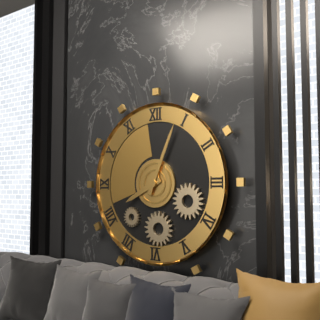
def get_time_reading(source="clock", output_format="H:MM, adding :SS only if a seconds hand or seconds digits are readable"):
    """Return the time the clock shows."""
8:04
